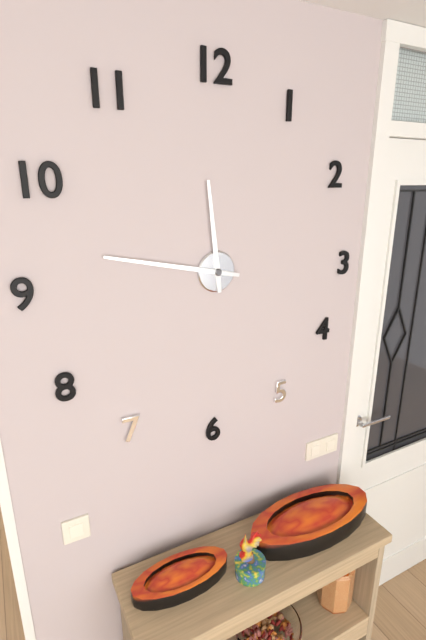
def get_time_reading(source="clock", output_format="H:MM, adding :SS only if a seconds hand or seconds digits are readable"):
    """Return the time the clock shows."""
11:47
